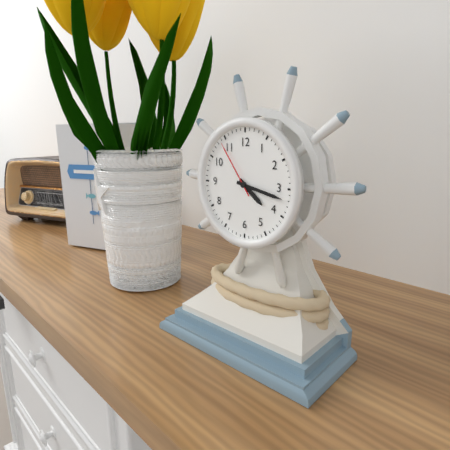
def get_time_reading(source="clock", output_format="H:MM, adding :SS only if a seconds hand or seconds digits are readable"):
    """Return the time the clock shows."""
4:17:54
